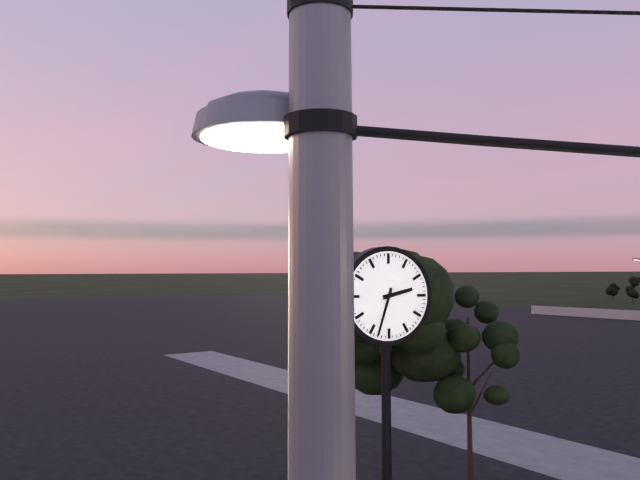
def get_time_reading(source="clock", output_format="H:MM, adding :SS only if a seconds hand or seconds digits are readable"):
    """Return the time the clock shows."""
2:33
